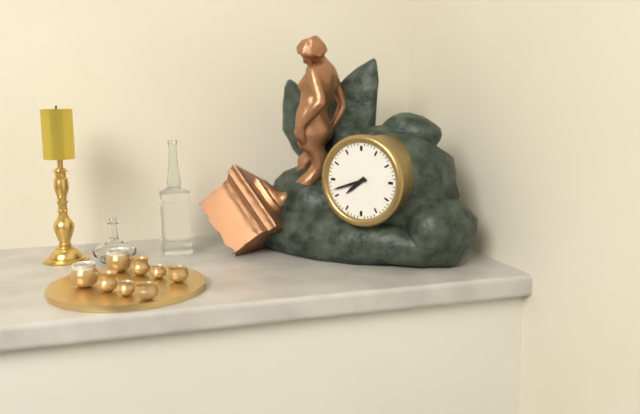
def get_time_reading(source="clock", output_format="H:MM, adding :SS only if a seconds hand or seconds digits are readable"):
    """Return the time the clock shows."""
7:42
